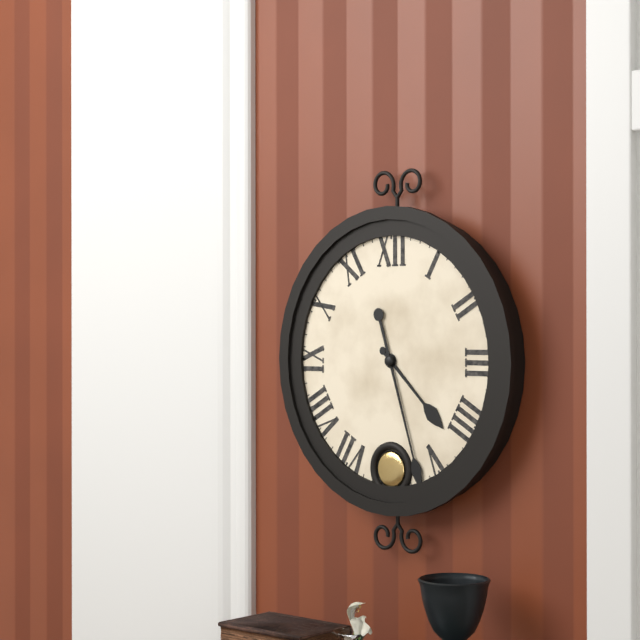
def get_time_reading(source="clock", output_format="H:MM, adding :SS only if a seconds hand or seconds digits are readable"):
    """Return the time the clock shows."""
4:27
